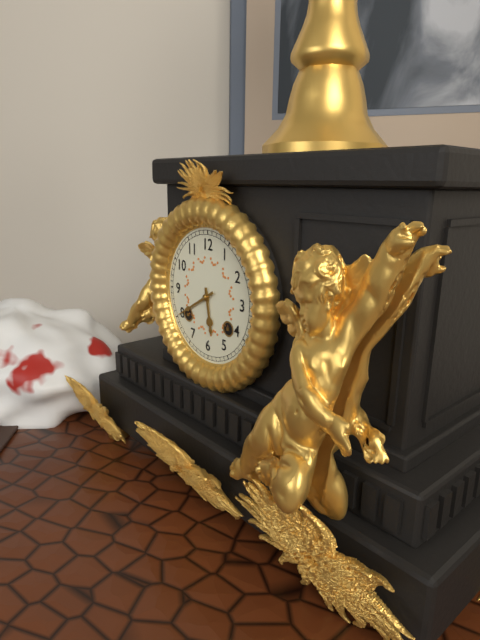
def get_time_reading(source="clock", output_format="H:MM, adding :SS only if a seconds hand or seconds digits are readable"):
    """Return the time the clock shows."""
5:40
